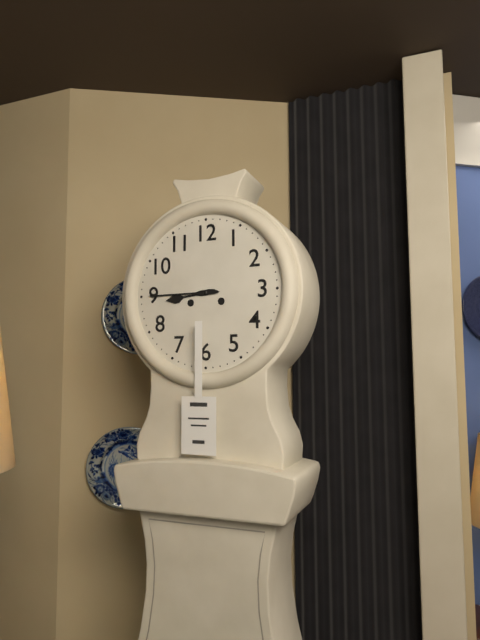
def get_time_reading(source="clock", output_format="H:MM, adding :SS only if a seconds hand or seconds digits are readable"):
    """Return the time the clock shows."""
8:45
